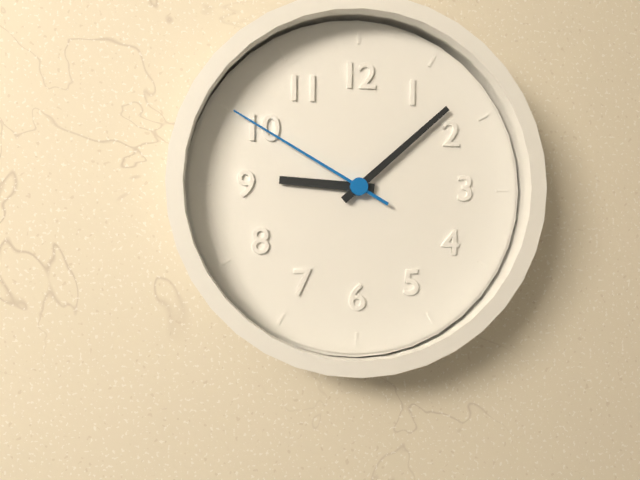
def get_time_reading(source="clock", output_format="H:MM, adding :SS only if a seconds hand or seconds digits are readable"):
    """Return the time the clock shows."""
9:08:50
